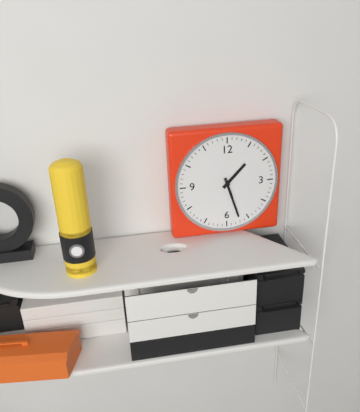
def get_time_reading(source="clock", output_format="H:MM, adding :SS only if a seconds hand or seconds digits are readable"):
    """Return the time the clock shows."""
1:27
